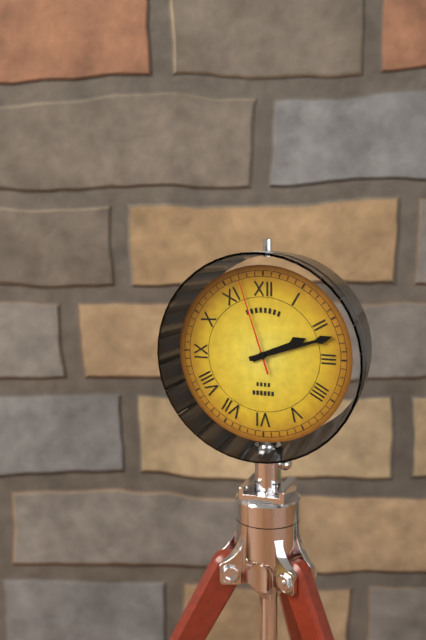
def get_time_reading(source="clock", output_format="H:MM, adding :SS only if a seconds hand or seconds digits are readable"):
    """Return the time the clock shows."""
2:12:57
